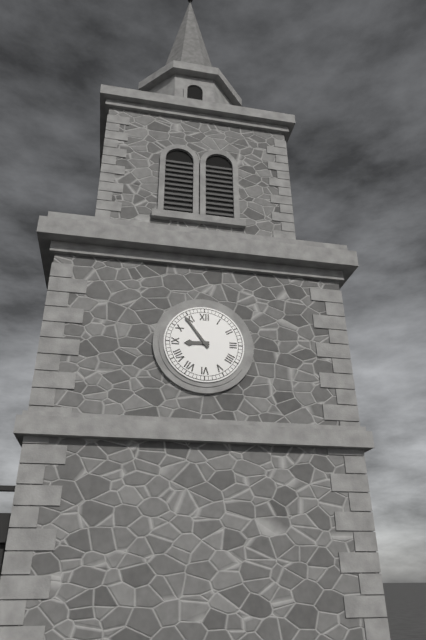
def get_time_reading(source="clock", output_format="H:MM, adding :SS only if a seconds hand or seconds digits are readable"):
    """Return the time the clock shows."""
8:54
